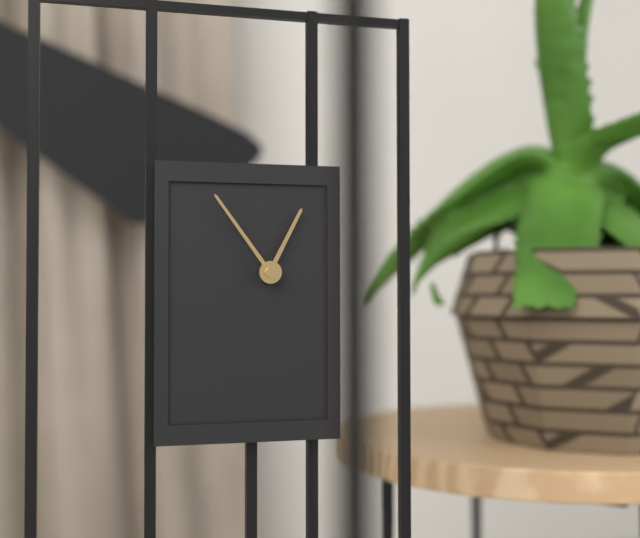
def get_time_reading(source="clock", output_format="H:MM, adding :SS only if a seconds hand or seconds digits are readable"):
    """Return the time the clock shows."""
12:54
